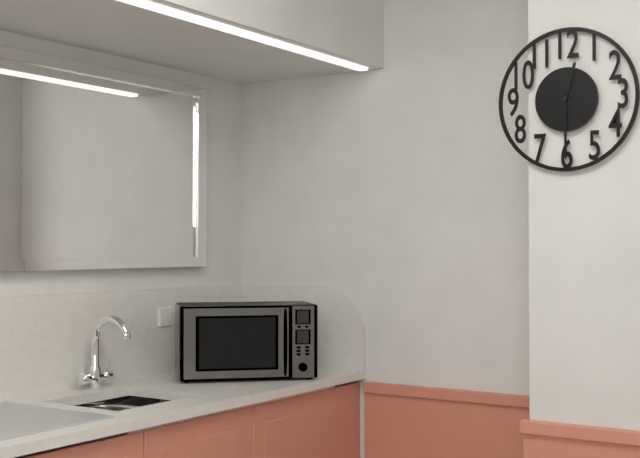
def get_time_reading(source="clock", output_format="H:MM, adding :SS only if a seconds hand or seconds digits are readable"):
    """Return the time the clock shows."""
12:30
